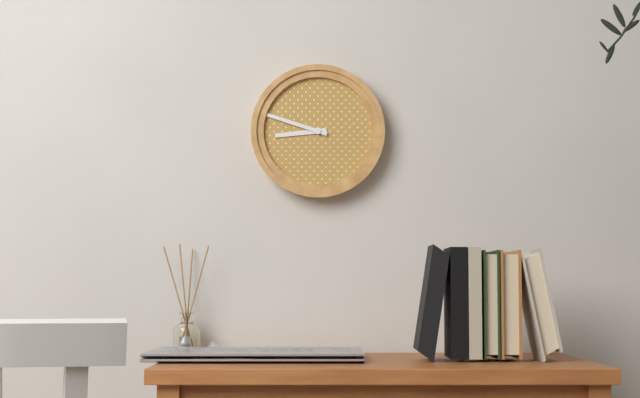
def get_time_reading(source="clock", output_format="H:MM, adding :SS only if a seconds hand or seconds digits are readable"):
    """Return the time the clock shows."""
8:48
